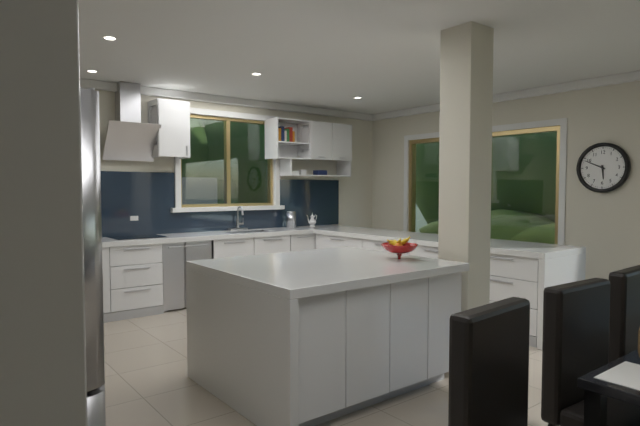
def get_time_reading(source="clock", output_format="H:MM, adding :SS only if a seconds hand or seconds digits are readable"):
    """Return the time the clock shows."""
5:49
